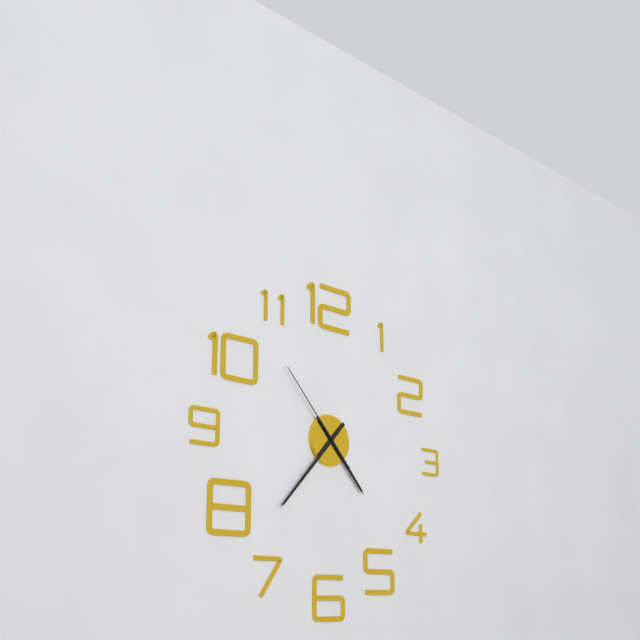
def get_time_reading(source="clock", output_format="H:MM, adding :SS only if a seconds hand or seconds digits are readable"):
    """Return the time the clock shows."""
4:37:53
